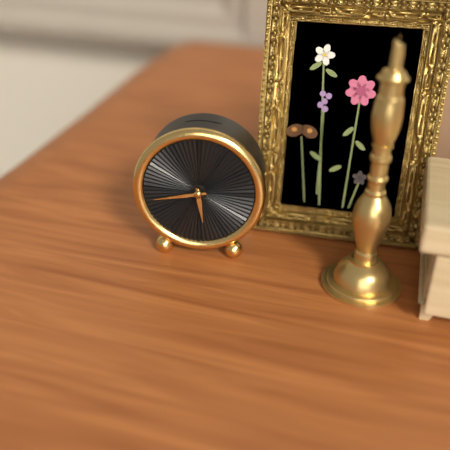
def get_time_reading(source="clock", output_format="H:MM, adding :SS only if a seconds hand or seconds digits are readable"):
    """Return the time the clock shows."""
5:43
